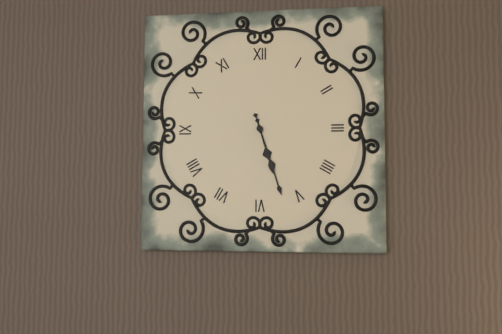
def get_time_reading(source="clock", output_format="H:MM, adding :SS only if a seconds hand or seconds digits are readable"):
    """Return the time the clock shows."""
5:27
